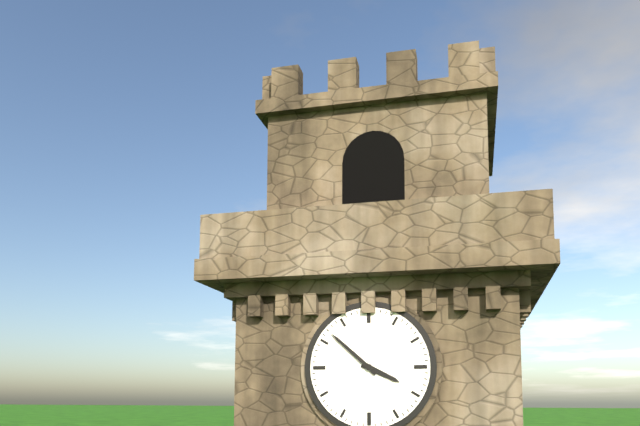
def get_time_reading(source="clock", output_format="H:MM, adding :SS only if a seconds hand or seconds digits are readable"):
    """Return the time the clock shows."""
3:52
